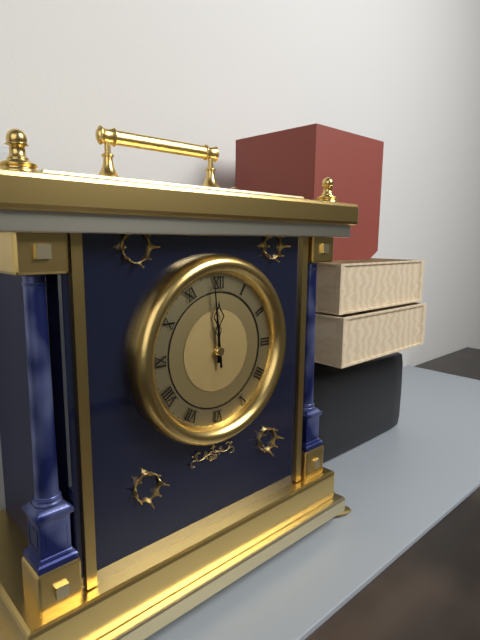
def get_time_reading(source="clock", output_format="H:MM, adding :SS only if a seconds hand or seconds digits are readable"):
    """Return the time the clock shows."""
11:59
